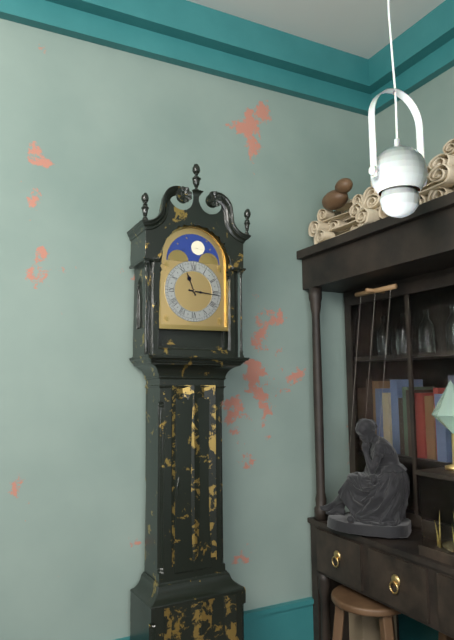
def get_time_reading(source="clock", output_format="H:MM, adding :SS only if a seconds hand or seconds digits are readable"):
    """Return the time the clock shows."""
11:16
